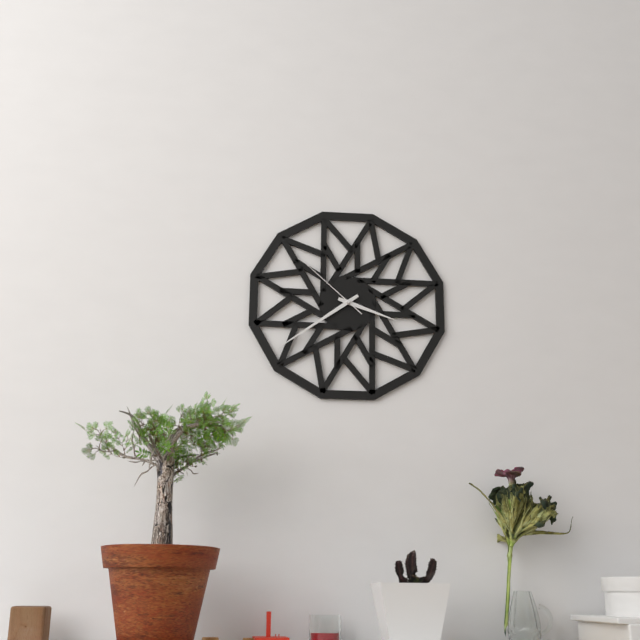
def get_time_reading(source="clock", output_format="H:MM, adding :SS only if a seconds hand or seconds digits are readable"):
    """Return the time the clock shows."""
3:39:52
